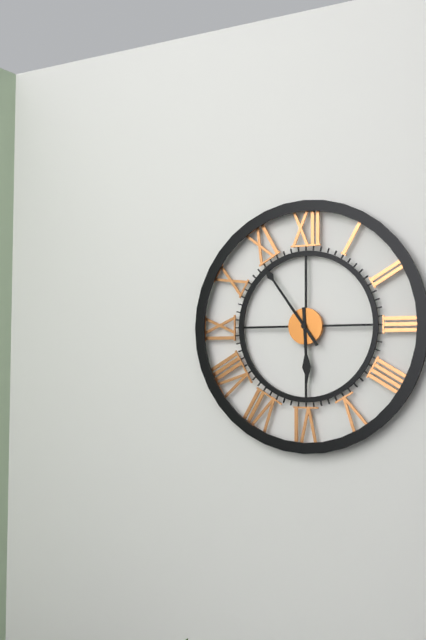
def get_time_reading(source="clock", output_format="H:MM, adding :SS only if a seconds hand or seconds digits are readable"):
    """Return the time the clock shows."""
5:54
